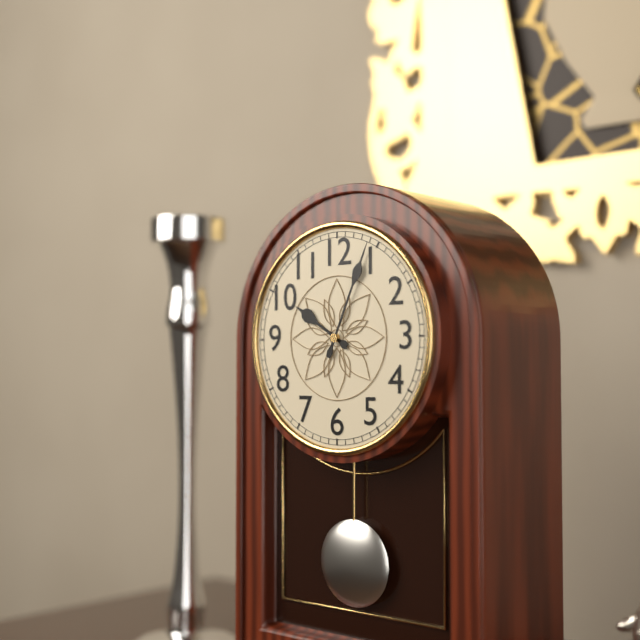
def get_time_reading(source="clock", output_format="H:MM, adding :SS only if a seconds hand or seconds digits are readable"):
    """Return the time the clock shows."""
10:04
